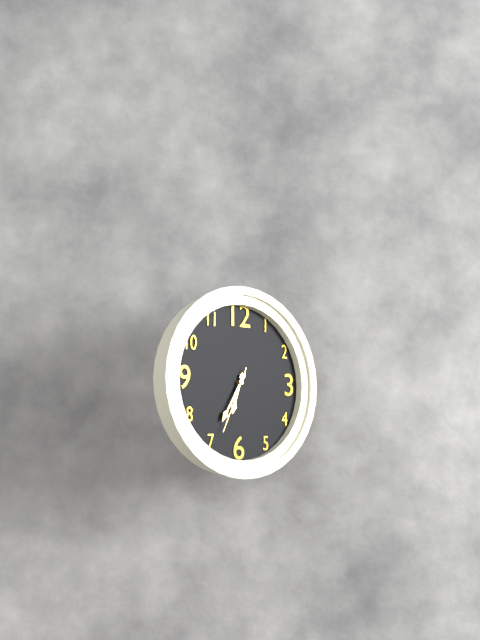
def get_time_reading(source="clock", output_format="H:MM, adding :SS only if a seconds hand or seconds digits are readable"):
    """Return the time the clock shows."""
6:35:34
